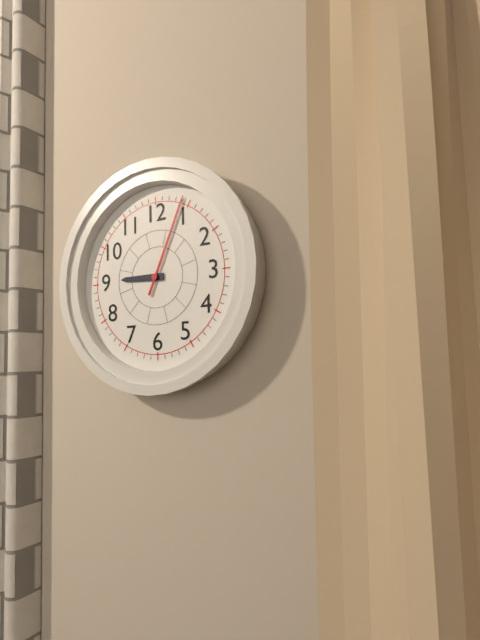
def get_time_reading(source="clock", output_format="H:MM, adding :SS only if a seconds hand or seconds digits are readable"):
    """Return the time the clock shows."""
9:04
